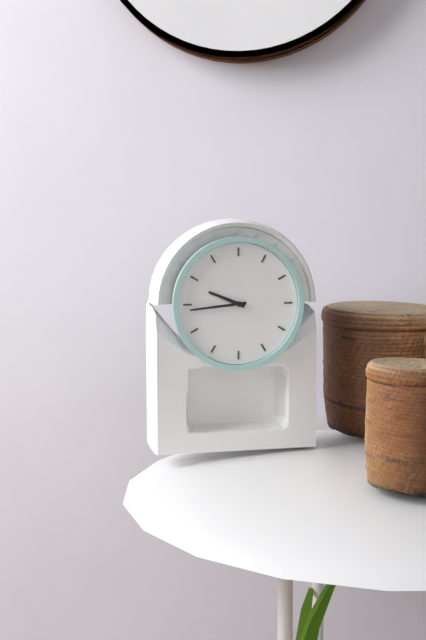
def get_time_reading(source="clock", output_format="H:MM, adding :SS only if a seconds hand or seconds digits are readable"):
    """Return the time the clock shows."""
9:44
